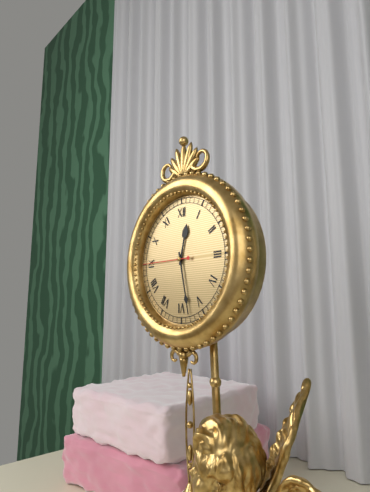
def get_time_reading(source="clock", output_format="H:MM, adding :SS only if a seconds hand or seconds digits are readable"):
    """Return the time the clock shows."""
12:28:45
